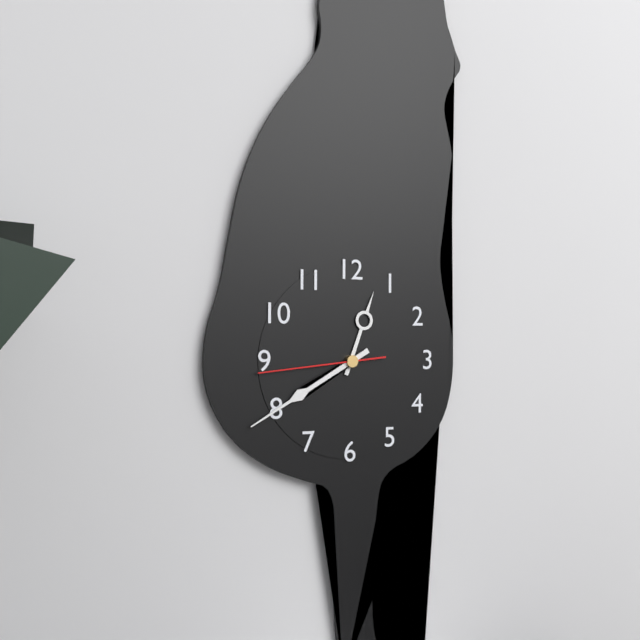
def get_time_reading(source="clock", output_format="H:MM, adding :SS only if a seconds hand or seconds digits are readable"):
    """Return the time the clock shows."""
12:40:44
